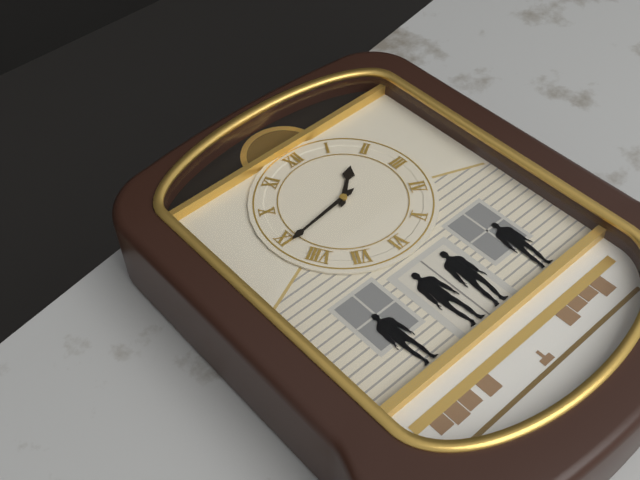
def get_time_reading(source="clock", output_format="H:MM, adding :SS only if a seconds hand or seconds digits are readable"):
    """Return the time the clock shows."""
1:44
